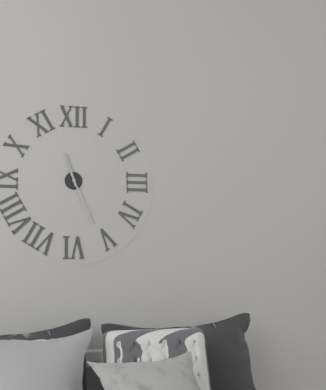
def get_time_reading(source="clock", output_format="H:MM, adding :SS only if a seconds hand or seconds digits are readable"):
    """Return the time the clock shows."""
11:26
